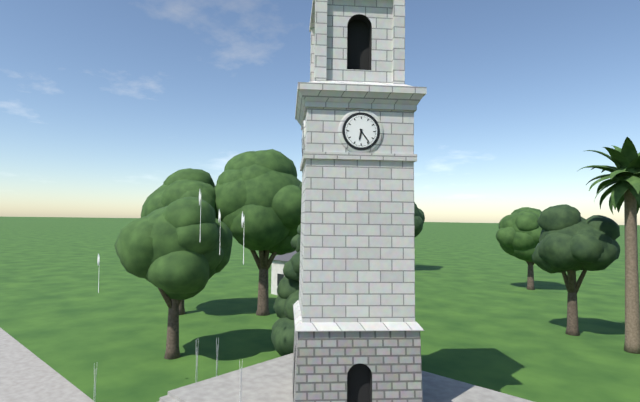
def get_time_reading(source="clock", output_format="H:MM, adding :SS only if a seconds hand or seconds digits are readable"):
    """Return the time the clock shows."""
6:24
